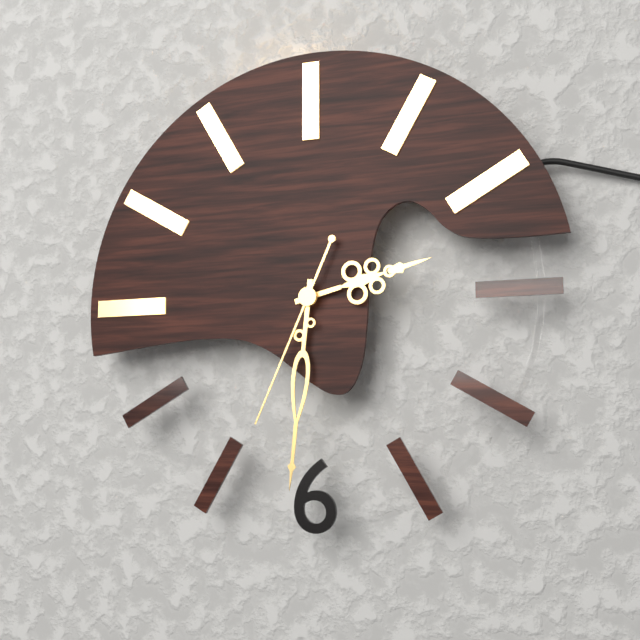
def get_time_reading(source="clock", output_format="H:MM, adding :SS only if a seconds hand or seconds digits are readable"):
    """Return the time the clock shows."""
2:31:34
